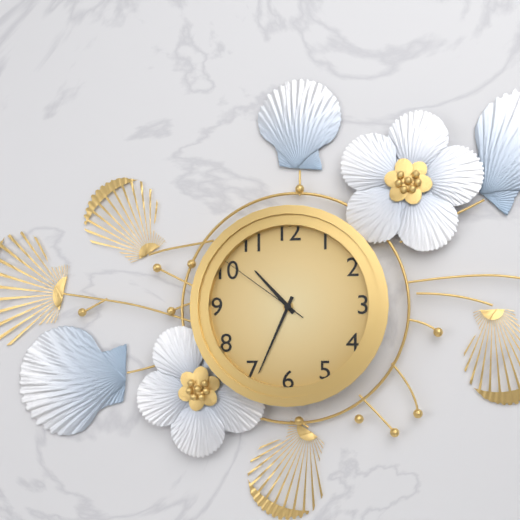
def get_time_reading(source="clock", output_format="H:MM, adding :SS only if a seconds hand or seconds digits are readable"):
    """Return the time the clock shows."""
10:34:51
